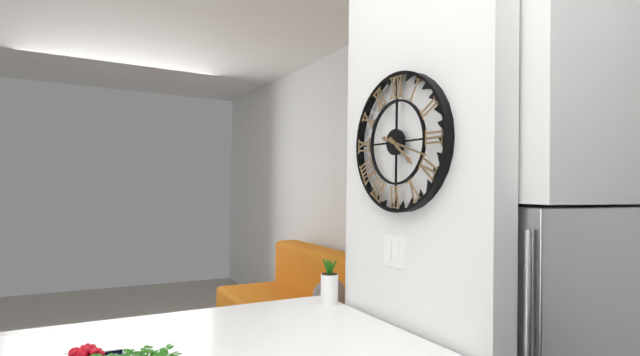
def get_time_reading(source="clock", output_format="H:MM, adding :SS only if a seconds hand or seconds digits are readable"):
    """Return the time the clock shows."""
4:18
